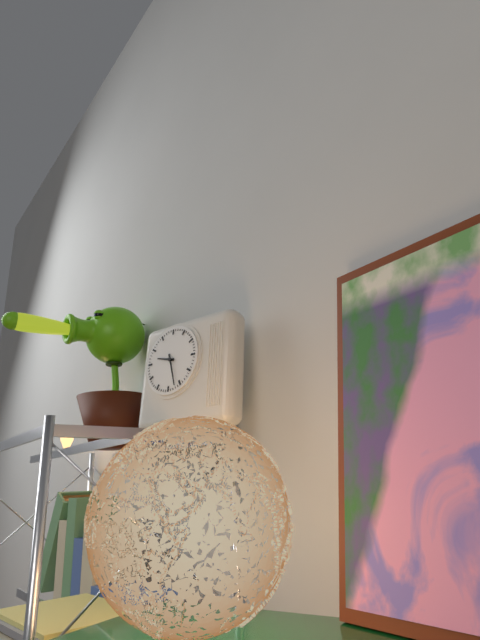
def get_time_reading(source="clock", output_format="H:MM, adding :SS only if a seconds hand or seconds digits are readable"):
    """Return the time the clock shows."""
9:27
